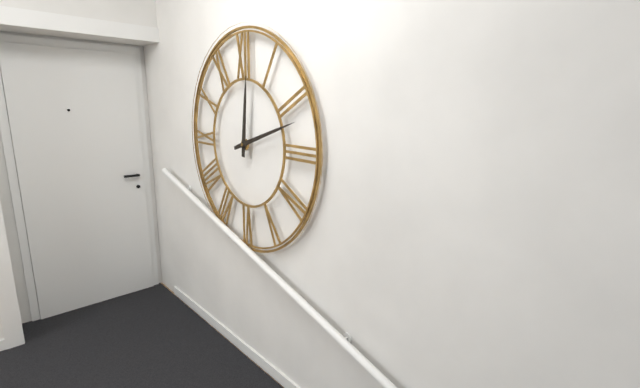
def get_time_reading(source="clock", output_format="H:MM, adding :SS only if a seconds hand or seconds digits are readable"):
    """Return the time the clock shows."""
12:12
